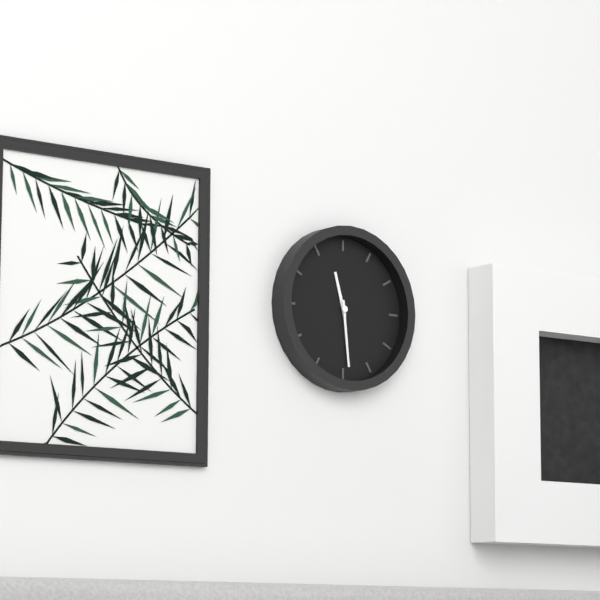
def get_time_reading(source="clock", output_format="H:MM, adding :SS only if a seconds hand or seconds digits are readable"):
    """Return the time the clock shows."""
11:29
